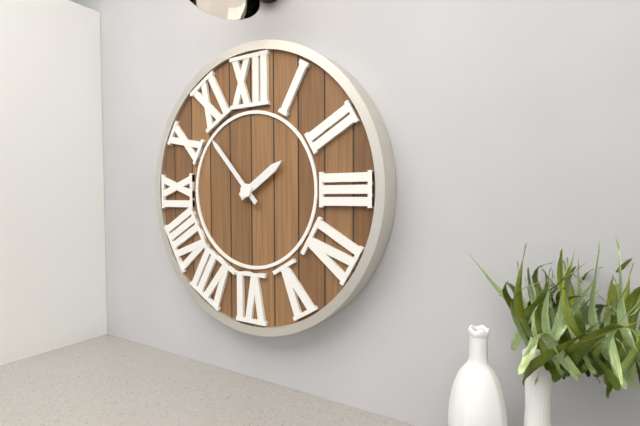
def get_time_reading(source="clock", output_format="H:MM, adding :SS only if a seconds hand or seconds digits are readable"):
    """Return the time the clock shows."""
1:53
